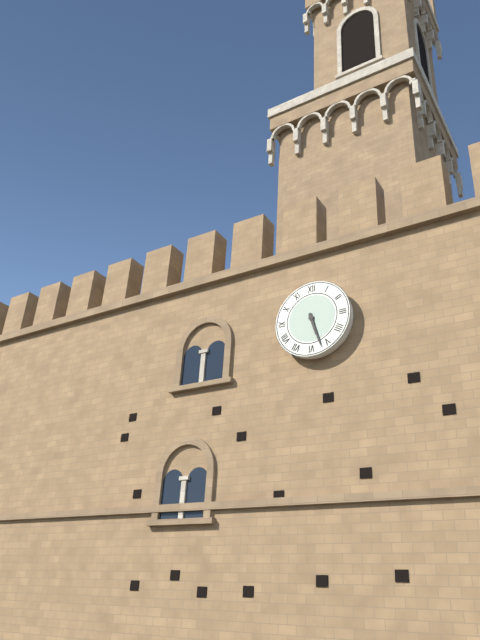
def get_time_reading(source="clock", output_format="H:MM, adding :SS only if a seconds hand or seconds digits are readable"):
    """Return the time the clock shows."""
5:27
